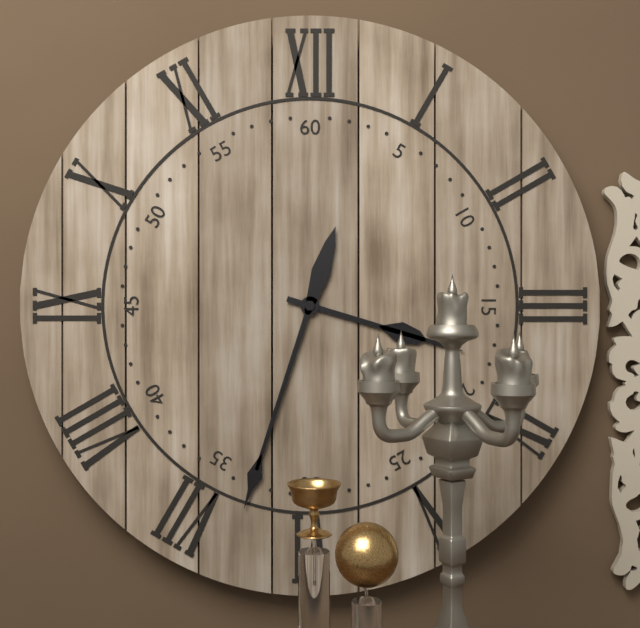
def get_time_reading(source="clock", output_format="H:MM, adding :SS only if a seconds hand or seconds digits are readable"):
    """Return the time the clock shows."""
3:33
